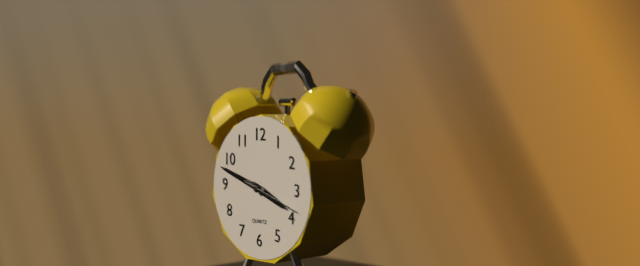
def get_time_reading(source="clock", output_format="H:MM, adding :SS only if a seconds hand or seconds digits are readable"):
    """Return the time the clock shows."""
3:48:18
